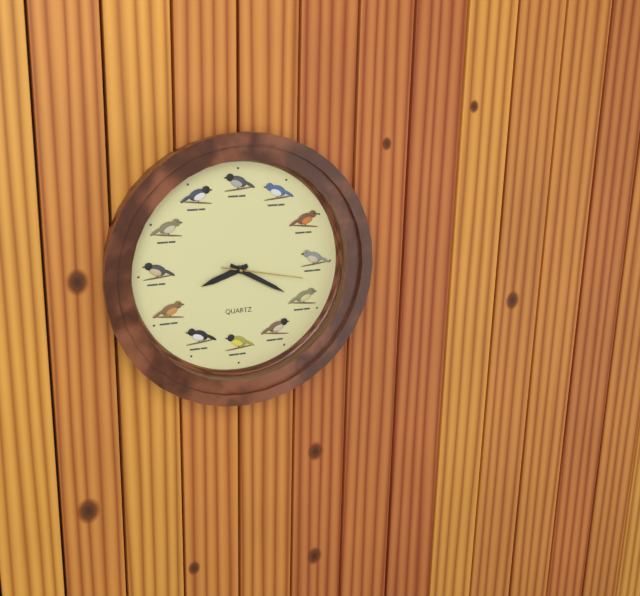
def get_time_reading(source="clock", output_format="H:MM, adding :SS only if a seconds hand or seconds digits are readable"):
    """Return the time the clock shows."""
8:20:17
